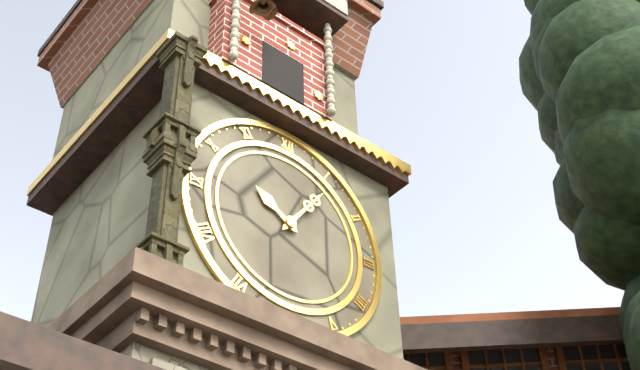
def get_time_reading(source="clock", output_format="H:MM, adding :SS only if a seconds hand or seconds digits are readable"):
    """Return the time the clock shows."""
10:06
